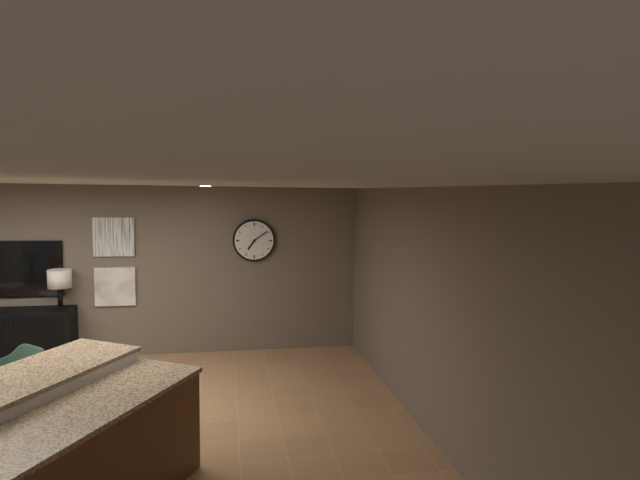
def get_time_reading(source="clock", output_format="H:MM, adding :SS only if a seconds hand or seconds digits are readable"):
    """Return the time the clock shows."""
7:09
